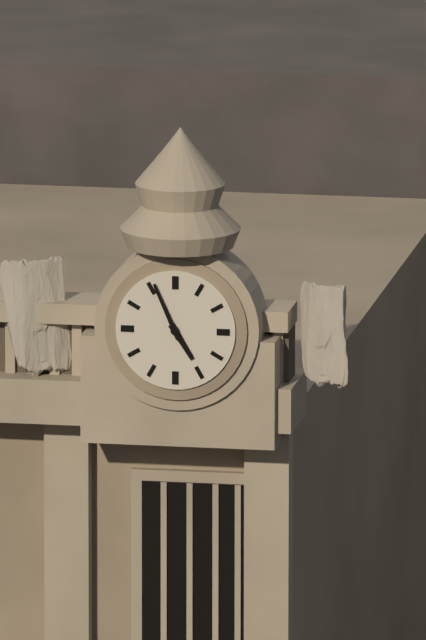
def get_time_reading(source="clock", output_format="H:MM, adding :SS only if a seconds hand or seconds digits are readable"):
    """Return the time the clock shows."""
4:56
